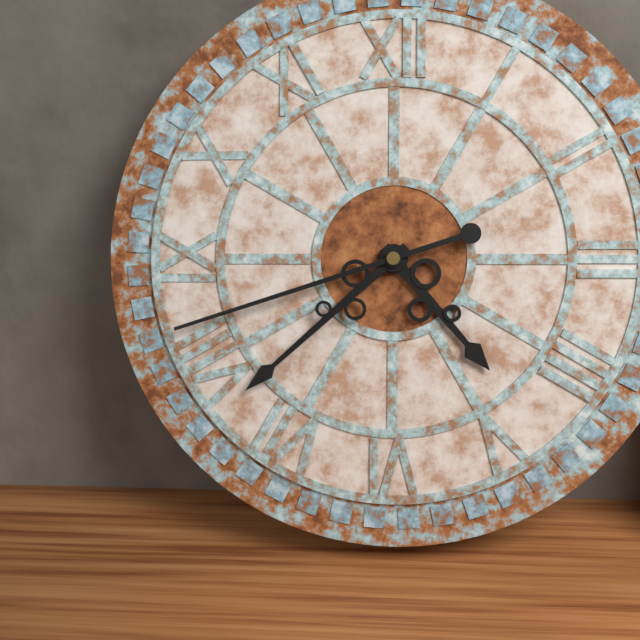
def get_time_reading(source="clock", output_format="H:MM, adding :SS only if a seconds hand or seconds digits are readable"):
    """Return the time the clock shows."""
4:38:42
